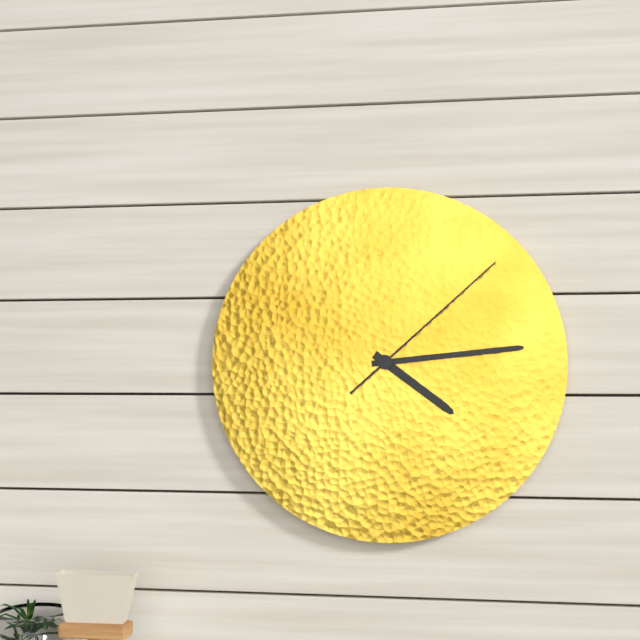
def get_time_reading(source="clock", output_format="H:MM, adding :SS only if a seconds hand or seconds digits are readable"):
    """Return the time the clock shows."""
4:14:08
